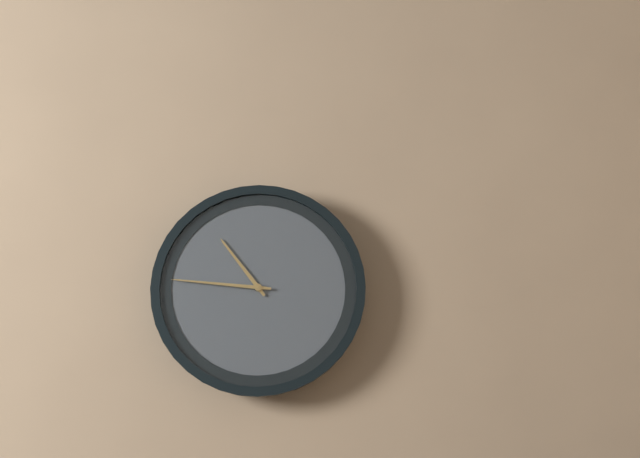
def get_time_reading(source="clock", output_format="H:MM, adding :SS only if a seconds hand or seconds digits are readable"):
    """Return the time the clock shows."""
10:46
